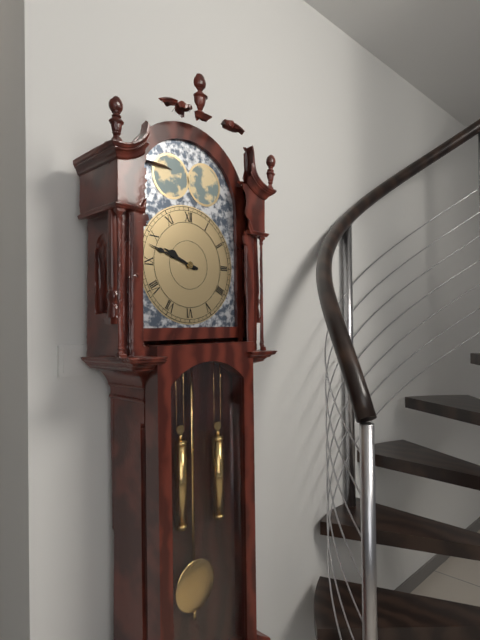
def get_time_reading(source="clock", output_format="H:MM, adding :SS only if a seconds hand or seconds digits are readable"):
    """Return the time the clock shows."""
9:48
